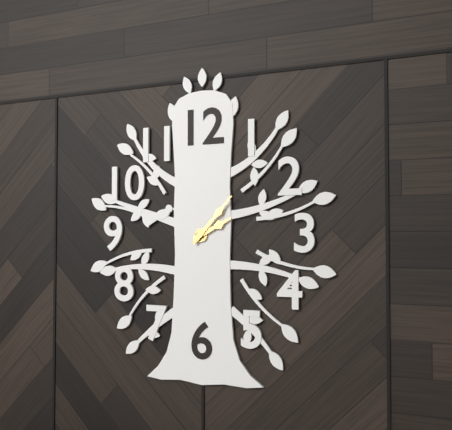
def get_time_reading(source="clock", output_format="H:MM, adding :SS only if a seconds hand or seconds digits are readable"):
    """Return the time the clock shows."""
2:07
